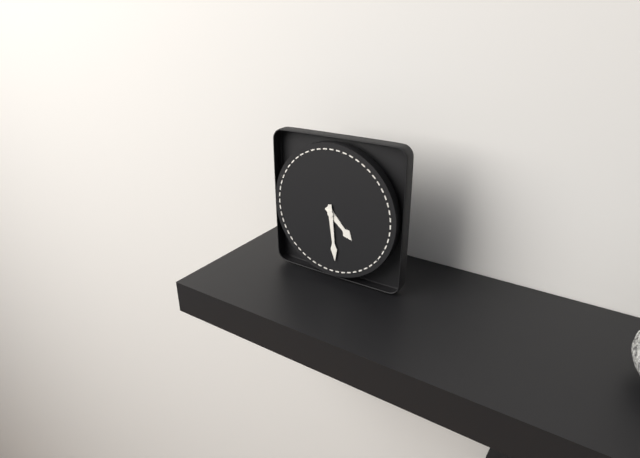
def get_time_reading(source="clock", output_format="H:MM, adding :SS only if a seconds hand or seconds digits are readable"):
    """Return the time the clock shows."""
4:29
